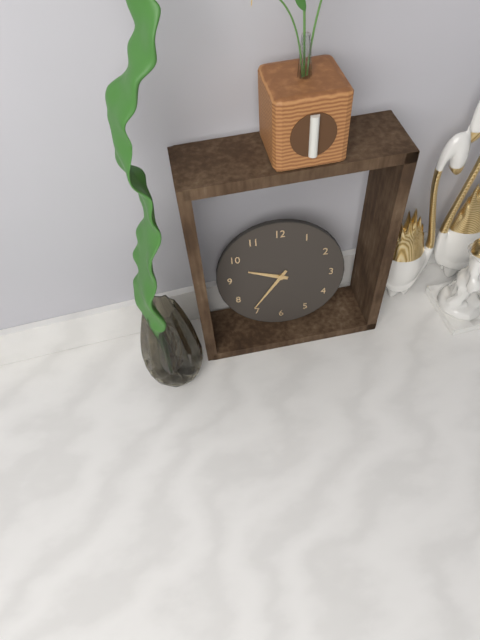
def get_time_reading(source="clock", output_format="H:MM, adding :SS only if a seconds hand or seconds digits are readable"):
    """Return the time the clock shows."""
9:36
